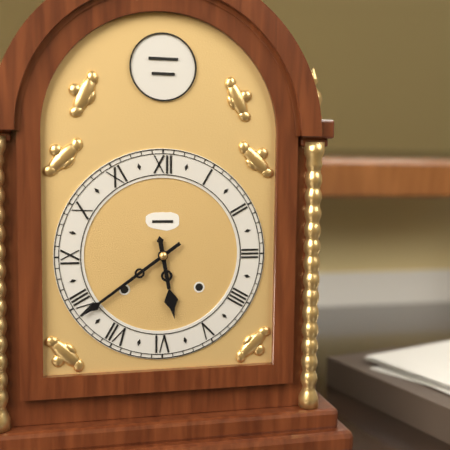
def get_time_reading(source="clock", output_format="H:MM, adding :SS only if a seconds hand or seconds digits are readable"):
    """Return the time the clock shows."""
5:39
